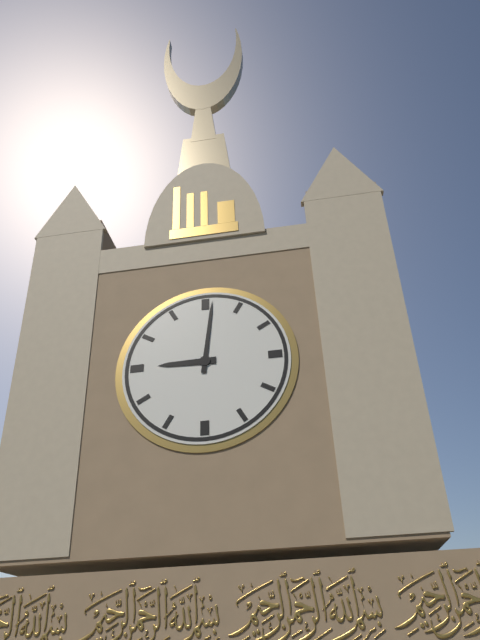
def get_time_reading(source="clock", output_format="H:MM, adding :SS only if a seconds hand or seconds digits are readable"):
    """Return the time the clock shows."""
9:01
